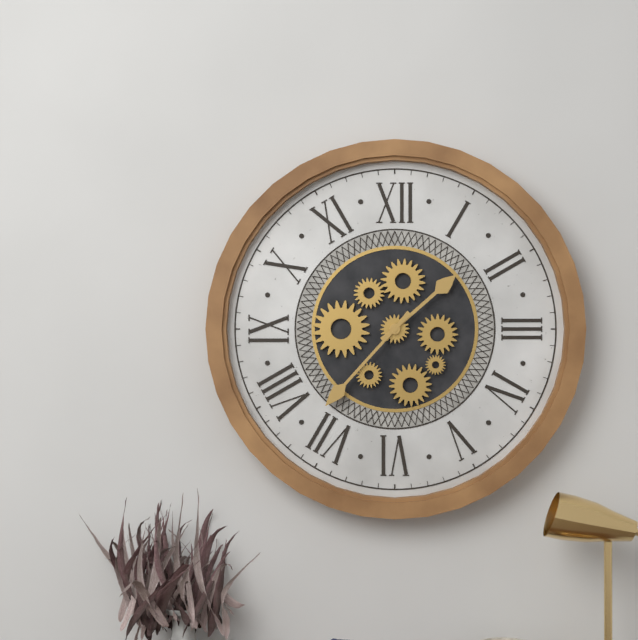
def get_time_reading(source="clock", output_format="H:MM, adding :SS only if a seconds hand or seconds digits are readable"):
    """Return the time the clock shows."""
1:37
